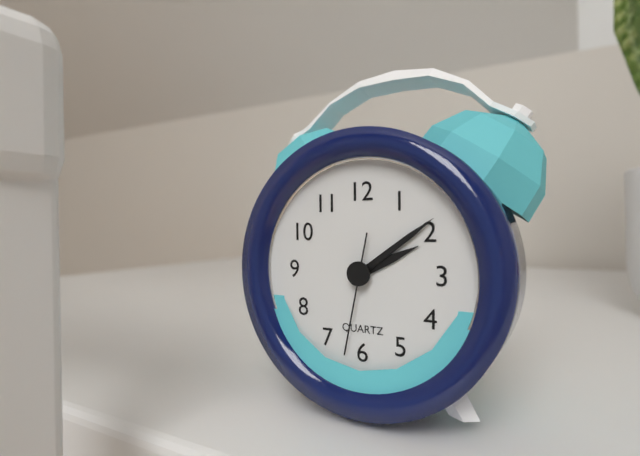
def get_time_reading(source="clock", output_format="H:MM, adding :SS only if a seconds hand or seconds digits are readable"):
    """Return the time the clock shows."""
2:09:32
